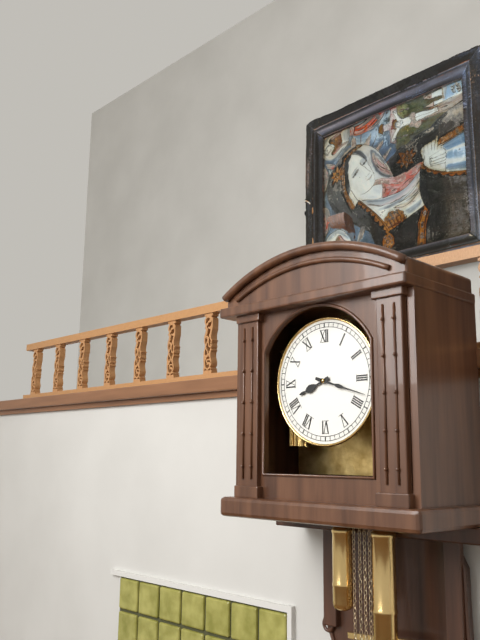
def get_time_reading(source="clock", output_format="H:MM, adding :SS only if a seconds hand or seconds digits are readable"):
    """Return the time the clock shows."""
8:18
